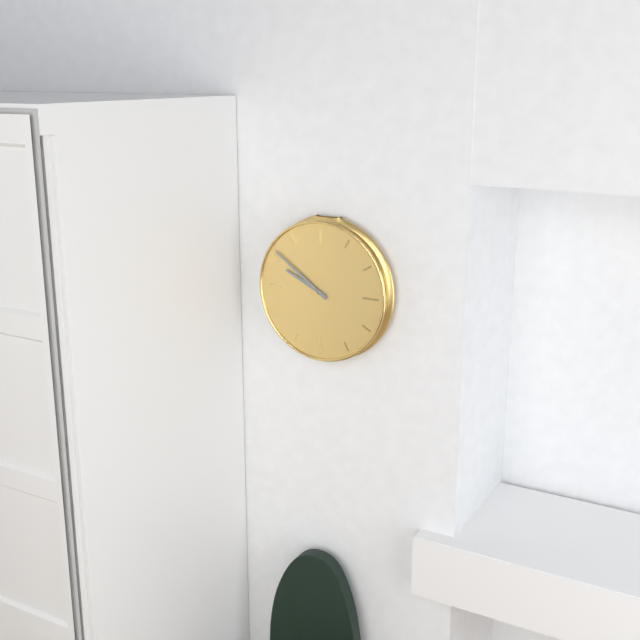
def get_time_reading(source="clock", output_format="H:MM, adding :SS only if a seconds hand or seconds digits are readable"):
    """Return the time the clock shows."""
9:51
